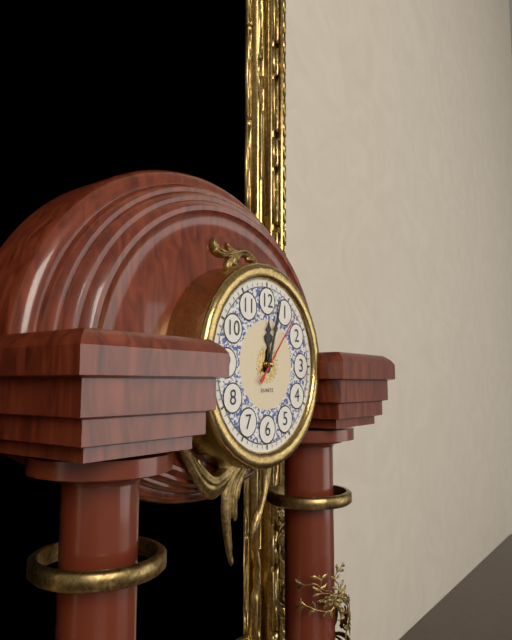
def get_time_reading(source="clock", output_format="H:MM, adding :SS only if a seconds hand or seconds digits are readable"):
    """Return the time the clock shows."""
12:03:07
